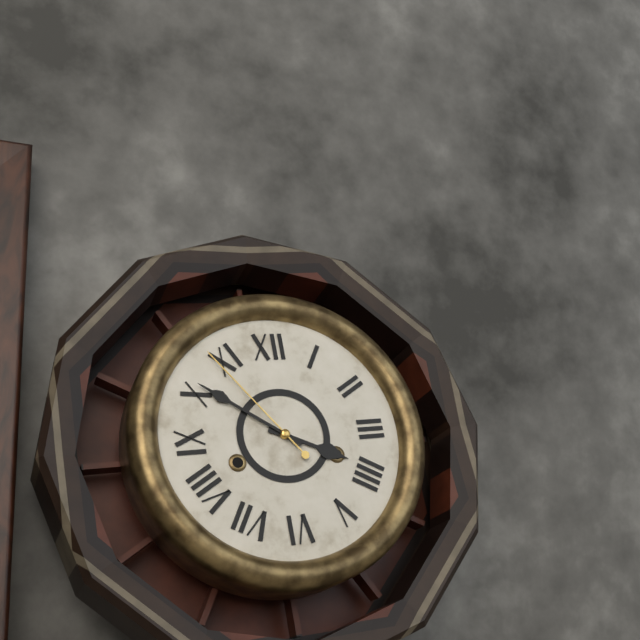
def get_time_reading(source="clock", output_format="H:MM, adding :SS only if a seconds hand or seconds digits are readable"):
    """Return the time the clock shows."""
3:51:54
